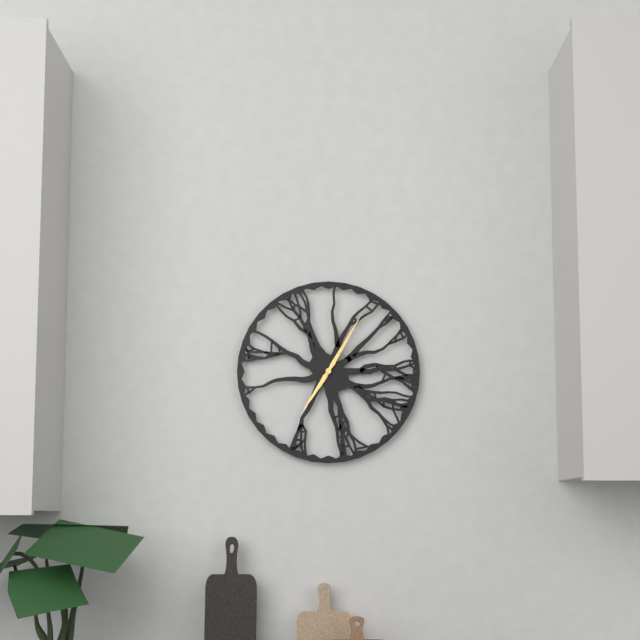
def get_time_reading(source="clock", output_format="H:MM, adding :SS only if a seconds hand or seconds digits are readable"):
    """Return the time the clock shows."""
7:05
